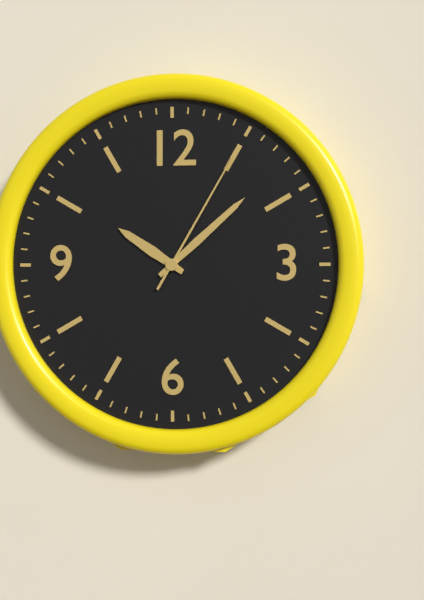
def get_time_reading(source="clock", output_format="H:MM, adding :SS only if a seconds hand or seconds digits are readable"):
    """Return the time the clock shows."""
10:08:05
